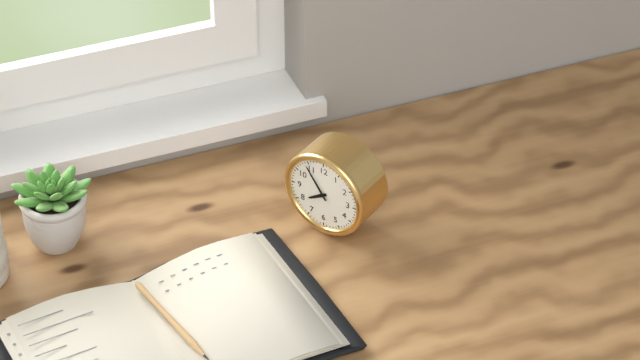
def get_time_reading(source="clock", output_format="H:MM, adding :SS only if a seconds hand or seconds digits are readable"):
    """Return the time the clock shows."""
7:54
